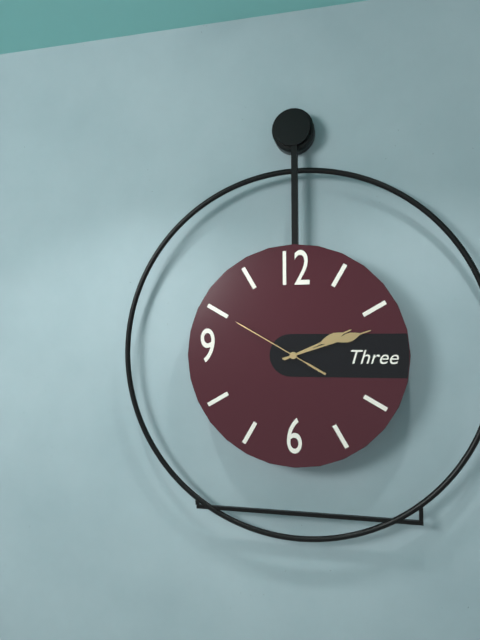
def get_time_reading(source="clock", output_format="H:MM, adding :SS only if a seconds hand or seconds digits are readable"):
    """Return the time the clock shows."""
2:12:50
